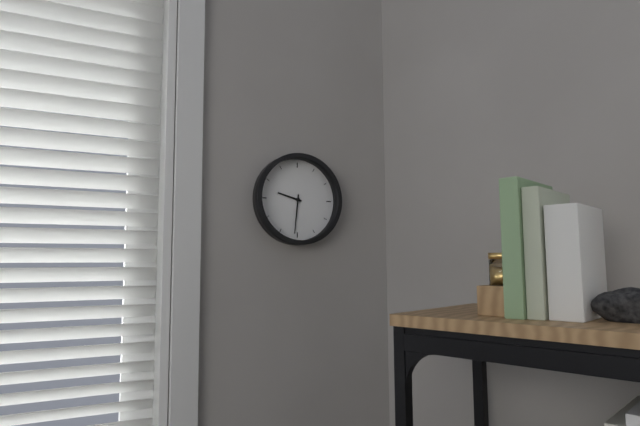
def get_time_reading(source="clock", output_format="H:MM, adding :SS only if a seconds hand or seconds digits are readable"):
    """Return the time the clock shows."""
9:31
